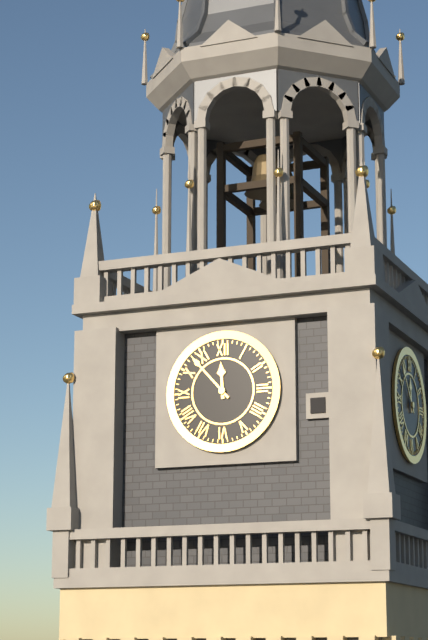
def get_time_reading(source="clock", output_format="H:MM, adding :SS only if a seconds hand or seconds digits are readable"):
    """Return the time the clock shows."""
11:53
